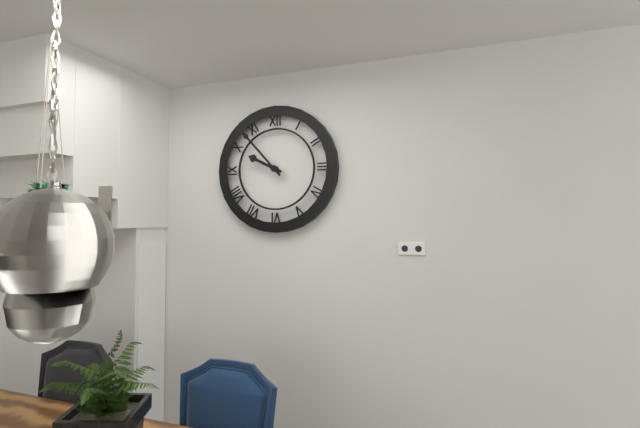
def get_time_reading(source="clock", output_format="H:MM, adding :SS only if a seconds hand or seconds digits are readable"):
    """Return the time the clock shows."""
9:53
